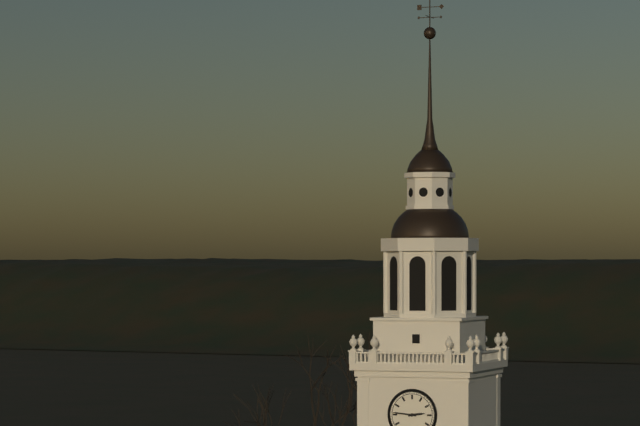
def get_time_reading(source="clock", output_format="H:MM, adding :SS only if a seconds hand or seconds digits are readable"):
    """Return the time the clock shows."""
2:46
